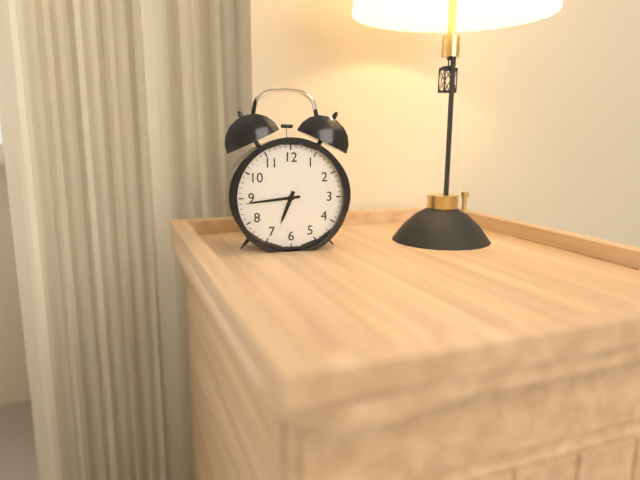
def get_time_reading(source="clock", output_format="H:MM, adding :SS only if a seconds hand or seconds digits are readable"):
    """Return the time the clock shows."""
6:44
